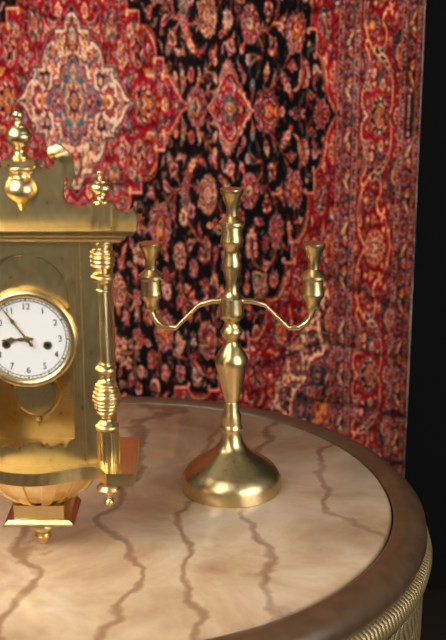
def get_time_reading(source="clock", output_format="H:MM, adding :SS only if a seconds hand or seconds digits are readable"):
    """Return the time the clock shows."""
8:54
